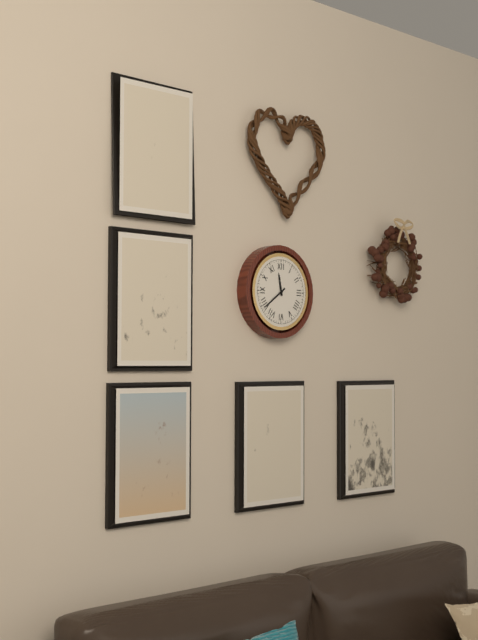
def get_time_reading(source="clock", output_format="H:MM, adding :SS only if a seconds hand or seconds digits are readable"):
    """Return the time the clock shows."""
11:39
